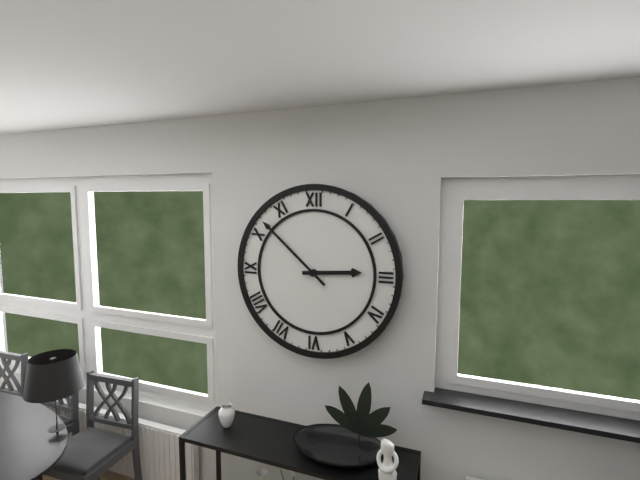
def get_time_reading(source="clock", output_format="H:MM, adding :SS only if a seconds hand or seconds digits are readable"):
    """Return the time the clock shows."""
2:52
